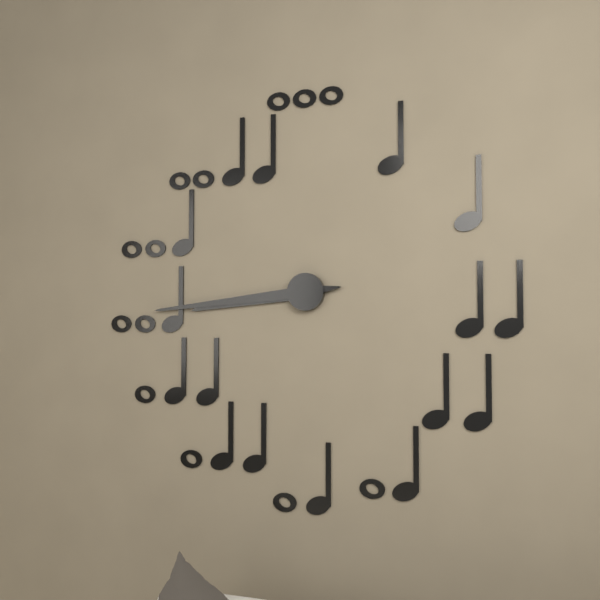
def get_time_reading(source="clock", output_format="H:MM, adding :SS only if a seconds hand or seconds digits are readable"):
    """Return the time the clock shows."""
8:44
